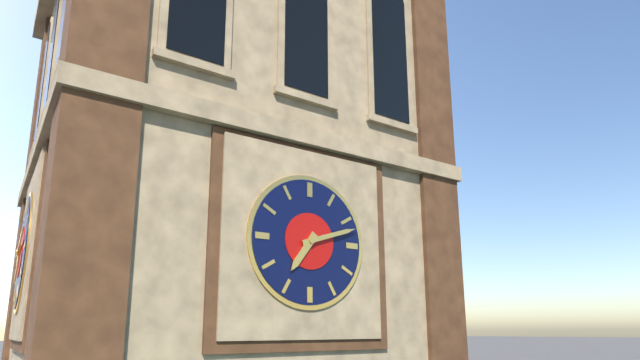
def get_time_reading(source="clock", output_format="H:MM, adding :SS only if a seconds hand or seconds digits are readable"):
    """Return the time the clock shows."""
7:12
